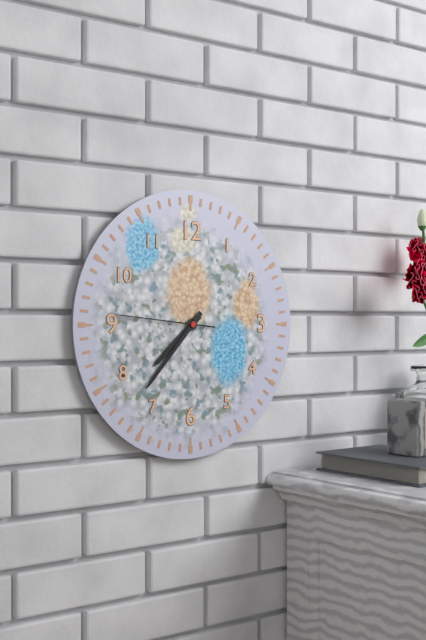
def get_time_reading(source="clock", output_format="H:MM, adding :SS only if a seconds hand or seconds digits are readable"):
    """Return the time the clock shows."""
7:37:46
